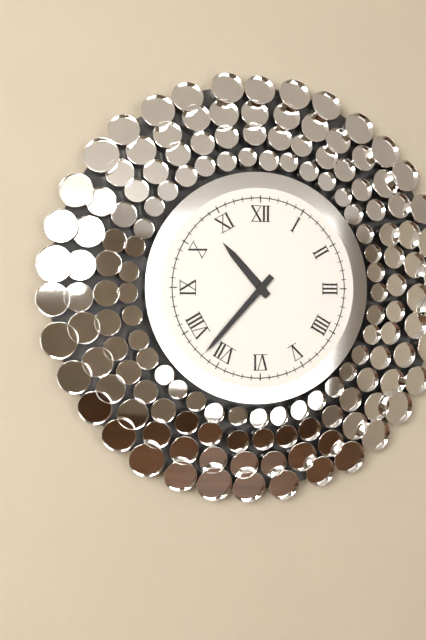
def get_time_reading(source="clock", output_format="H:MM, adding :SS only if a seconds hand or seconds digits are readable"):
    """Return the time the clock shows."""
10:37
